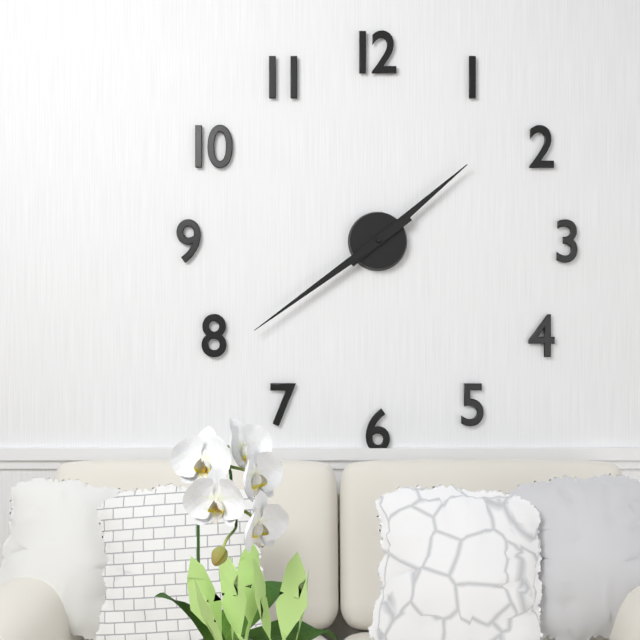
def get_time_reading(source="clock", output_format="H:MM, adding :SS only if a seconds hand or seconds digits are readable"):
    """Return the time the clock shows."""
1:39
